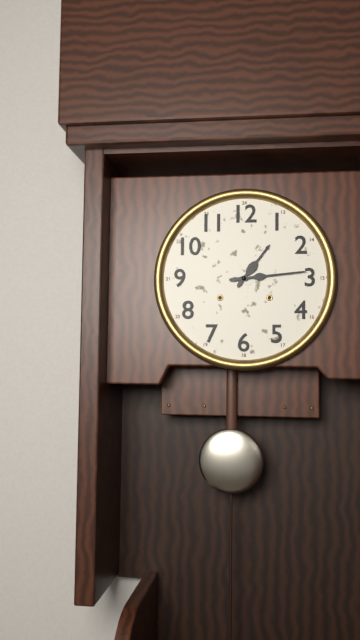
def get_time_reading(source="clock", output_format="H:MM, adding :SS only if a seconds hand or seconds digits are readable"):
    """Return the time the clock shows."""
1:14
